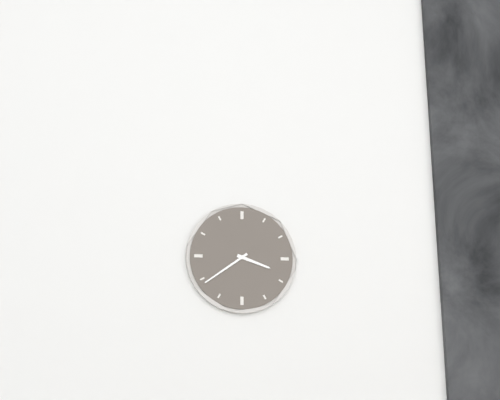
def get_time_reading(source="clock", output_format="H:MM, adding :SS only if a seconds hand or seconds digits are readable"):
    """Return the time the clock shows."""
3:39
